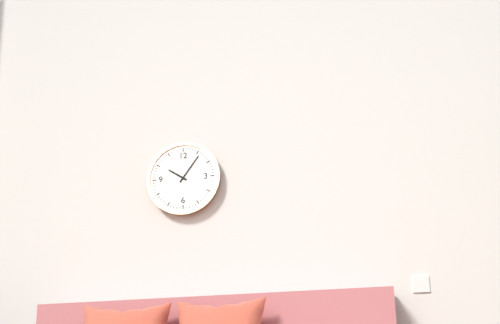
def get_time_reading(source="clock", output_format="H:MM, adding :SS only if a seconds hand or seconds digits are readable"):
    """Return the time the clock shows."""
10:06
